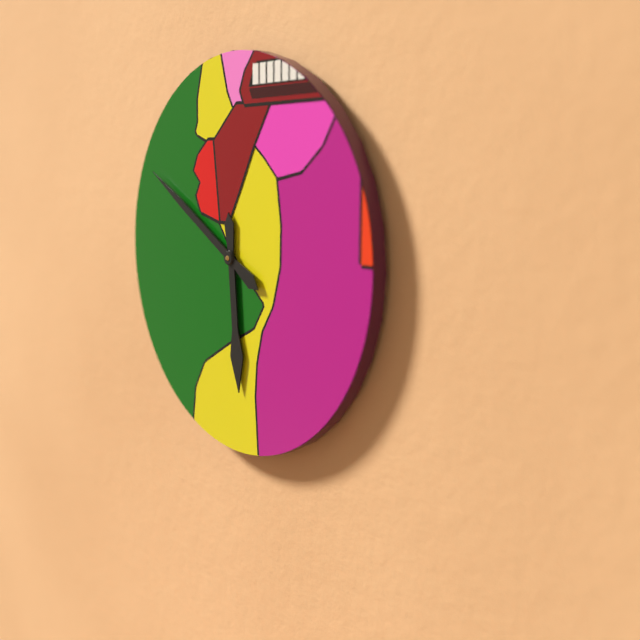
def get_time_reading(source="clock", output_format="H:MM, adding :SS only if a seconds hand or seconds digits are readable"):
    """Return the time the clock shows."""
5:50
